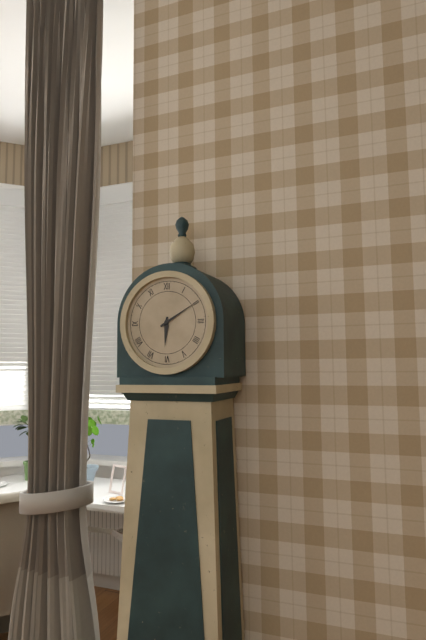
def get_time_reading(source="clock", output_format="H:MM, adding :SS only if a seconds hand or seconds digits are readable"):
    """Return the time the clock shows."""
6:10
